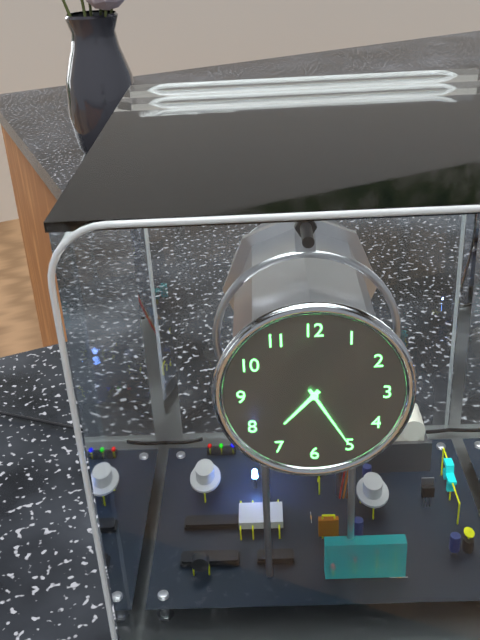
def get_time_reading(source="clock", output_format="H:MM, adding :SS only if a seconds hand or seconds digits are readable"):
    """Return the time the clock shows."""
7:25
